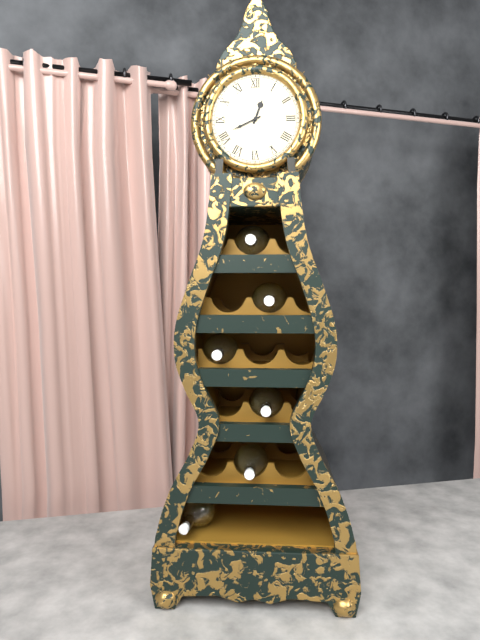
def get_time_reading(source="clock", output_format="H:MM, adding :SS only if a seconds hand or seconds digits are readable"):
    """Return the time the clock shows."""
12:41
